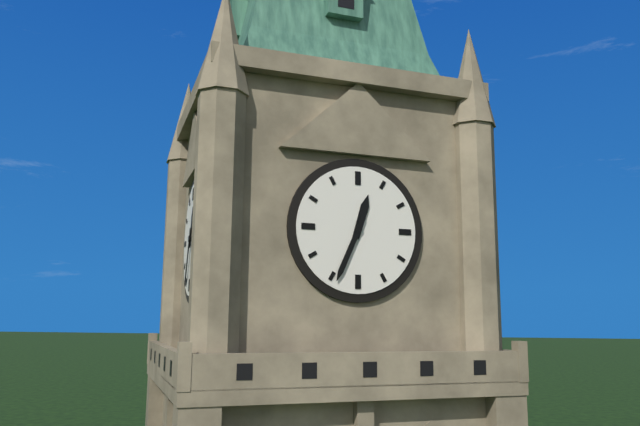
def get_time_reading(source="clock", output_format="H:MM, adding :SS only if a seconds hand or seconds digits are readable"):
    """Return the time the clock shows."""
12:34
